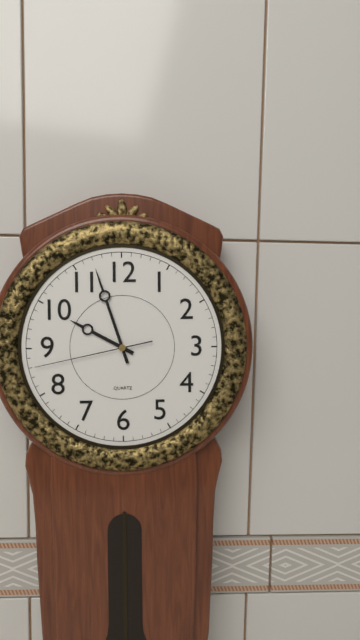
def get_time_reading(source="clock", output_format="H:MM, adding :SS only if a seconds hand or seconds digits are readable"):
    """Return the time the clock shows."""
9:57:43
